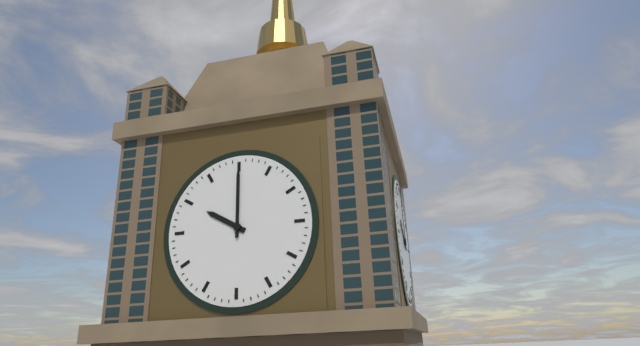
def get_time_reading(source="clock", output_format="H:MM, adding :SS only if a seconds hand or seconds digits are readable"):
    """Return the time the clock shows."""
10:00
